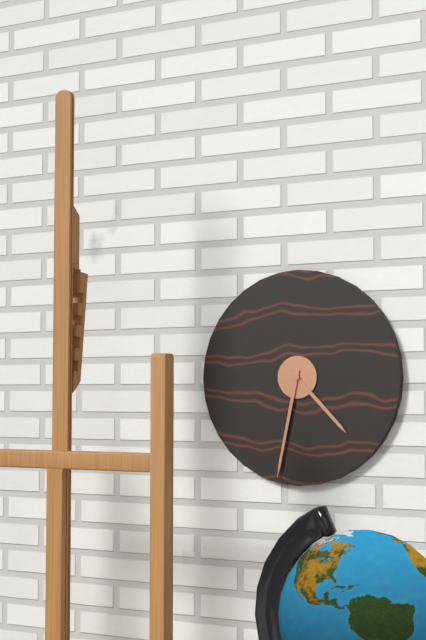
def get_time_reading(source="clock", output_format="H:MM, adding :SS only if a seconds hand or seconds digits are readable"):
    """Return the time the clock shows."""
4:32
